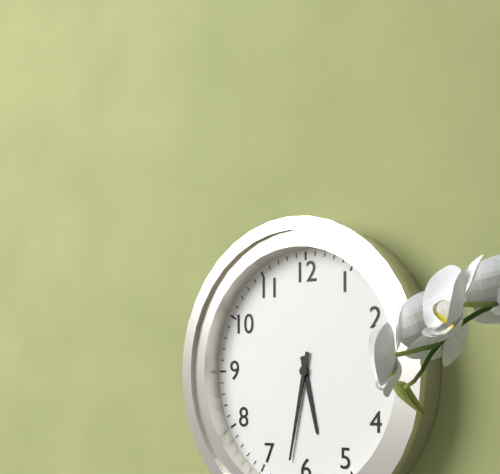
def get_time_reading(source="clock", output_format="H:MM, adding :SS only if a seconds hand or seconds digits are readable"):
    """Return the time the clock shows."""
5:32
